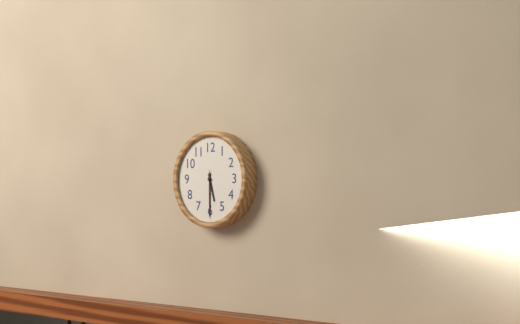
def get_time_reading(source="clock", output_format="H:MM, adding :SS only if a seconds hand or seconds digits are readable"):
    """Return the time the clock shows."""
5:30
